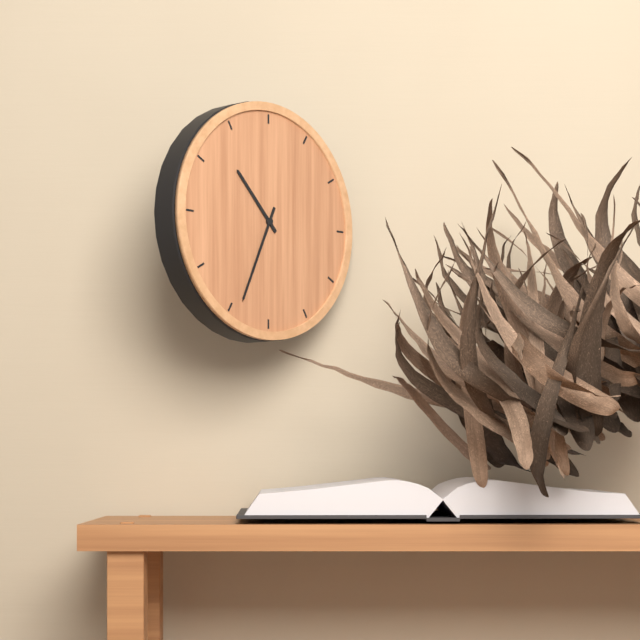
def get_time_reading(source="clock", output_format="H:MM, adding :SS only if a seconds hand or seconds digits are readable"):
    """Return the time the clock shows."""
10:34
